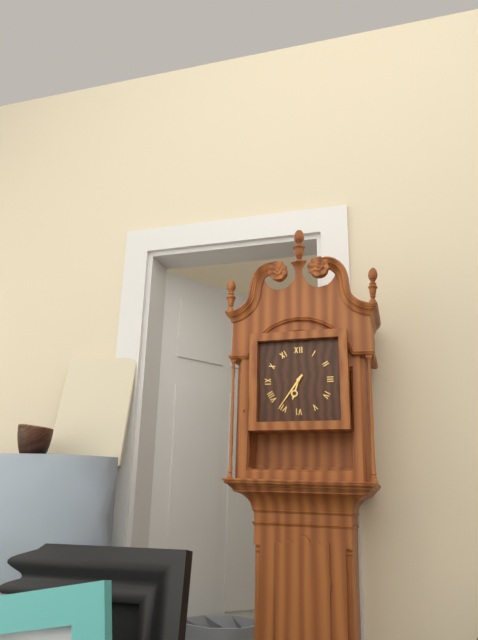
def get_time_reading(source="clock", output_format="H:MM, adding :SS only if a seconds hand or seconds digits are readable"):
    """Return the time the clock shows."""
6:36
